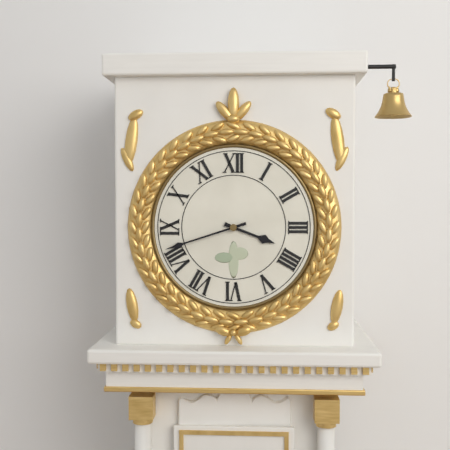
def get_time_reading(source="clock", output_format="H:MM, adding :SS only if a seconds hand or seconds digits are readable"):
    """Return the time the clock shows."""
3:42
